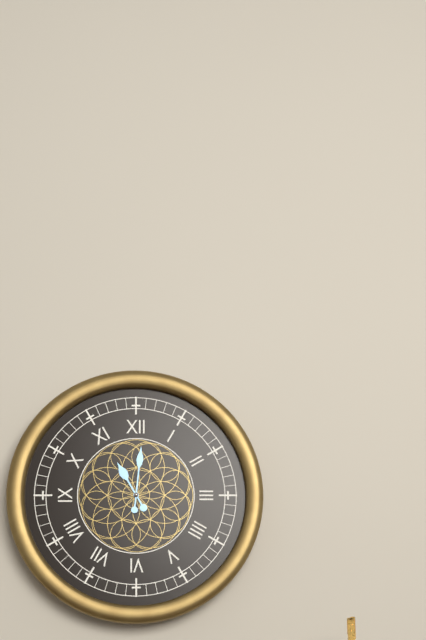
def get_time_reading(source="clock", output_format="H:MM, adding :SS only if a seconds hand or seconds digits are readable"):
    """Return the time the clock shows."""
11:01
